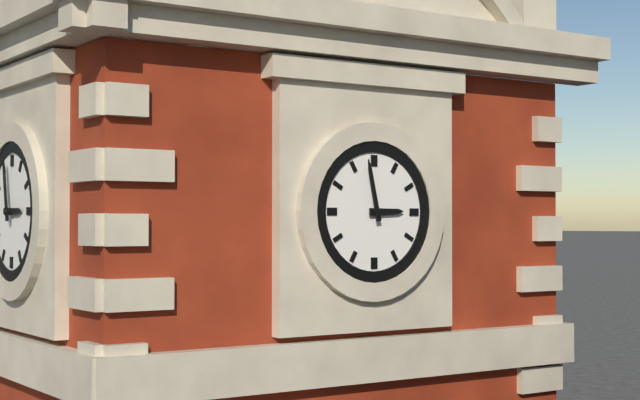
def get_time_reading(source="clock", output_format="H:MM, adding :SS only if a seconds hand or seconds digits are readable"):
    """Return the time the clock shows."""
2:58
